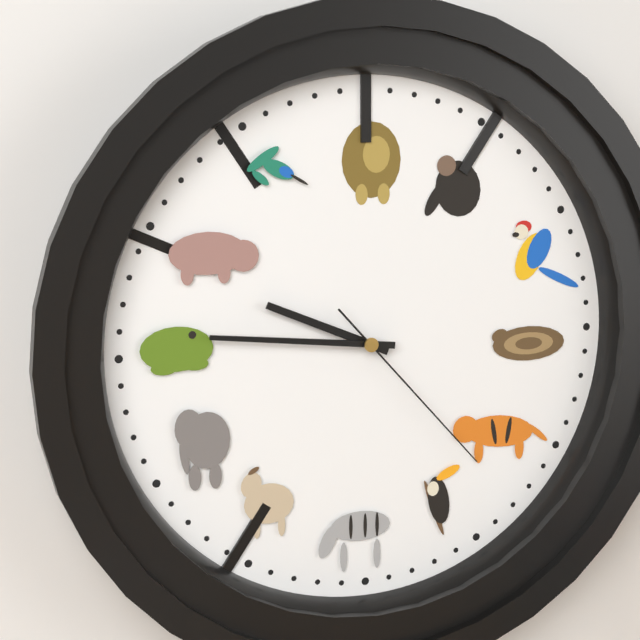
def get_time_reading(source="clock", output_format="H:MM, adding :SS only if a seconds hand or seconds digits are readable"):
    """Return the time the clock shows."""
9:46:23
